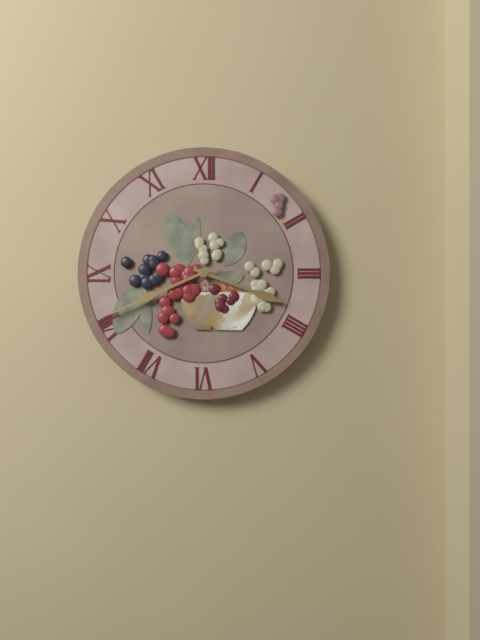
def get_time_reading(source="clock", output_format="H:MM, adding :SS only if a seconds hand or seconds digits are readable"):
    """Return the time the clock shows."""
3:41
